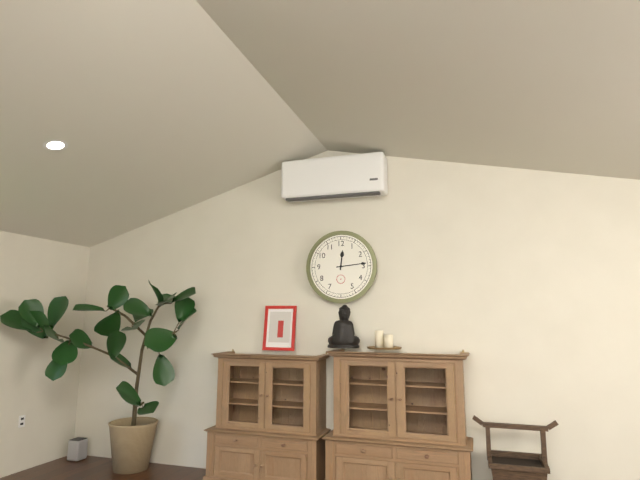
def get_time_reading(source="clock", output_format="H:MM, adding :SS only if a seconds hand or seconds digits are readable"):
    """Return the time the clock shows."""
12:14
